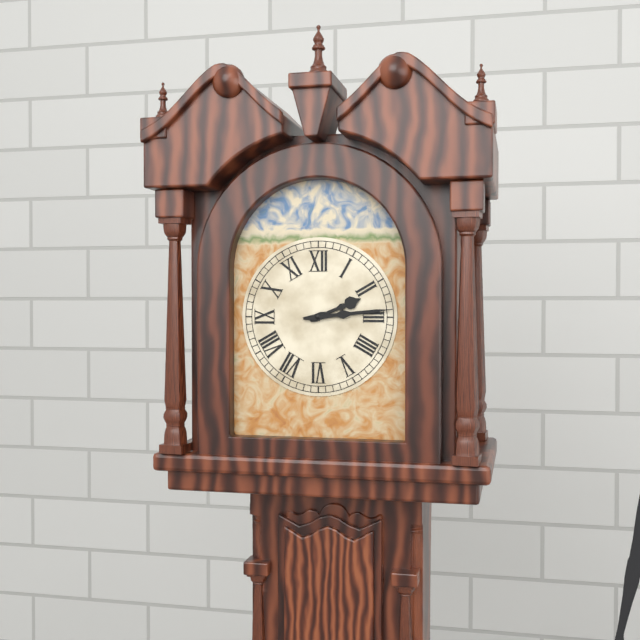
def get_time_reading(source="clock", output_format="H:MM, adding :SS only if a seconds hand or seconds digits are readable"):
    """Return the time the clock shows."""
2:14
